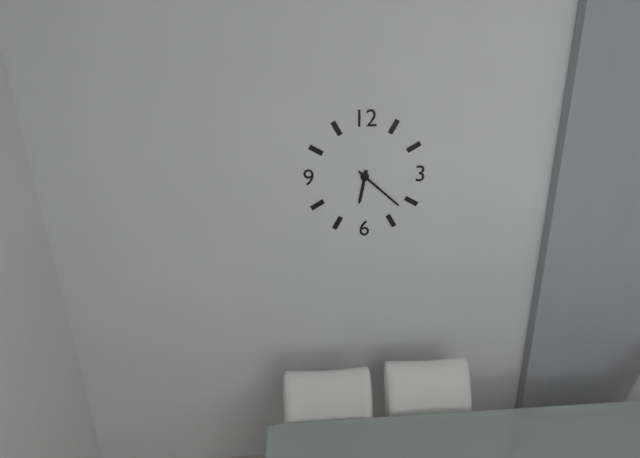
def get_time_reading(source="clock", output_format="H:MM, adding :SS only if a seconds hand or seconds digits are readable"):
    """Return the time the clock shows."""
6:22
